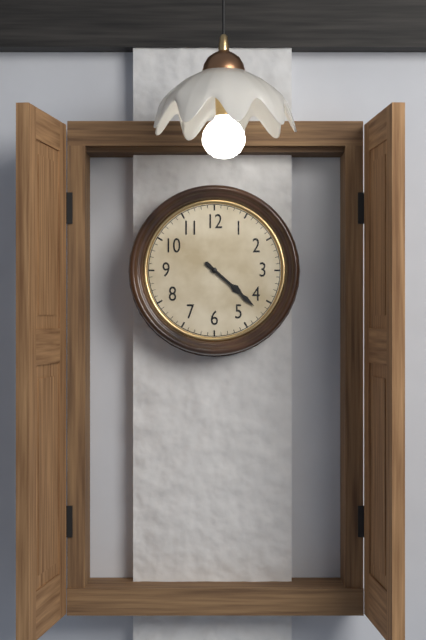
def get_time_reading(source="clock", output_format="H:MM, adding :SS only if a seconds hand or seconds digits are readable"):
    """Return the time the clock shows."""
4:22
